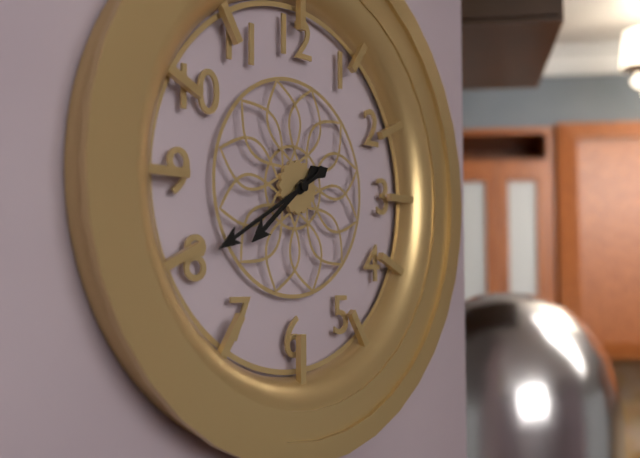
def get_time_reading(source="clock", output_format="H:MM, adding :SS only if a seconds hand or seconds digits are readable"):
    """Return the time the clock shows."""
7:40
